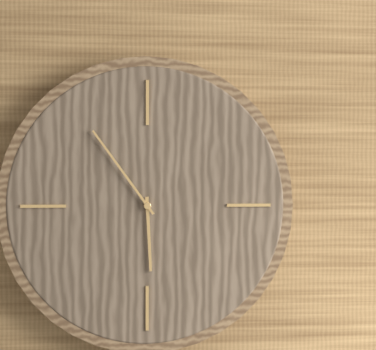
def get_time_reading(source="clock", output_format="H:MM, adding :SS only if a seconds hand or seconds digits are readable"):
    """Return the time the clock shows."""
5:54
